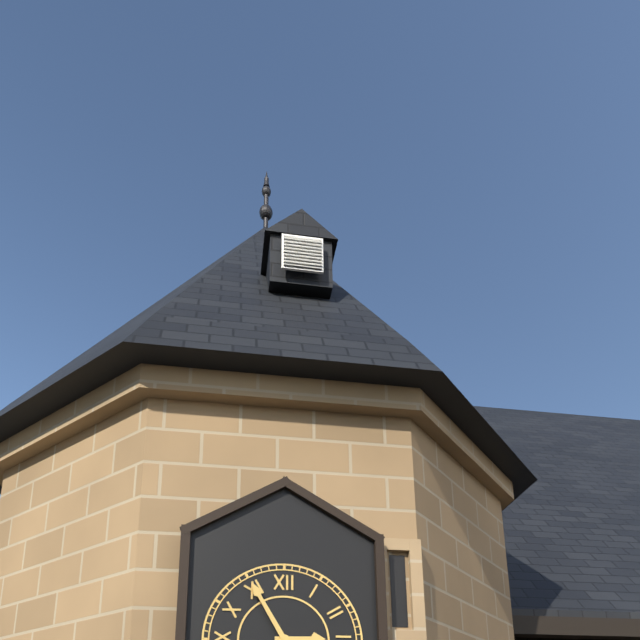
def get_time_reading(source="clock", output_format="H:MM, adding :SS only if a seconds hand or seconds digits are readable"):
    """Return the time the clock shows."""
2:55
